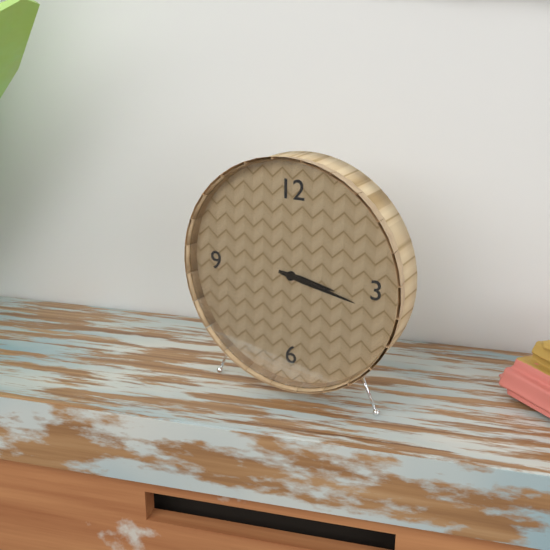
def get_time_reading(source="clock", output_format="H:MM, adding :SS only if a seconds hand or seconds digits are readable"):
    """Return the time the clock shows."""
3:17
